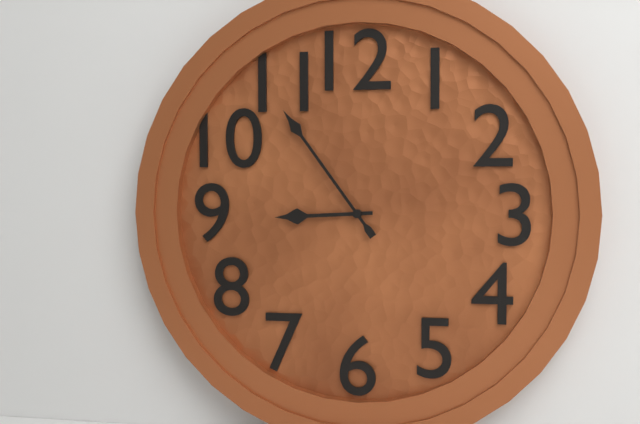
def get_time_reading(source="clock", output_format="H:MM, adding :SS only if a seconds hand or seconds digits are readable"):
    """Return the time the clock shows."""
8:54
